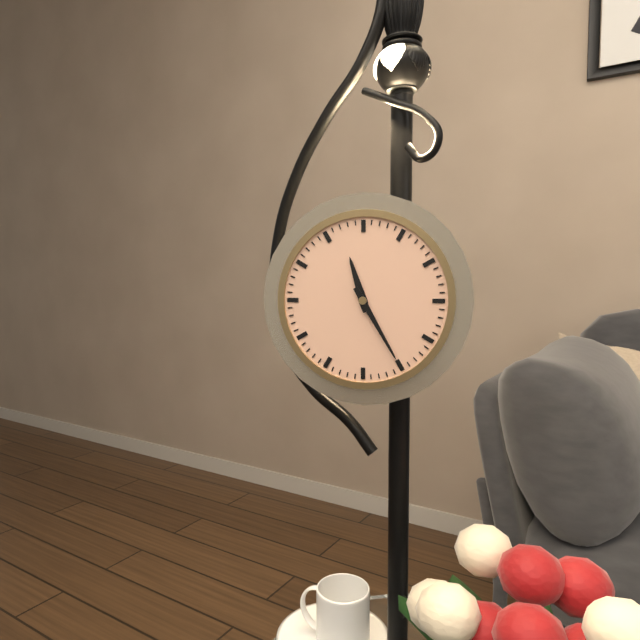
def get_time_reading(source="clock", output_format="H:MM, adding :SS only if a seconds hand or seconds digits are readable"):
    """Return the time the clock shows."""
11:25
